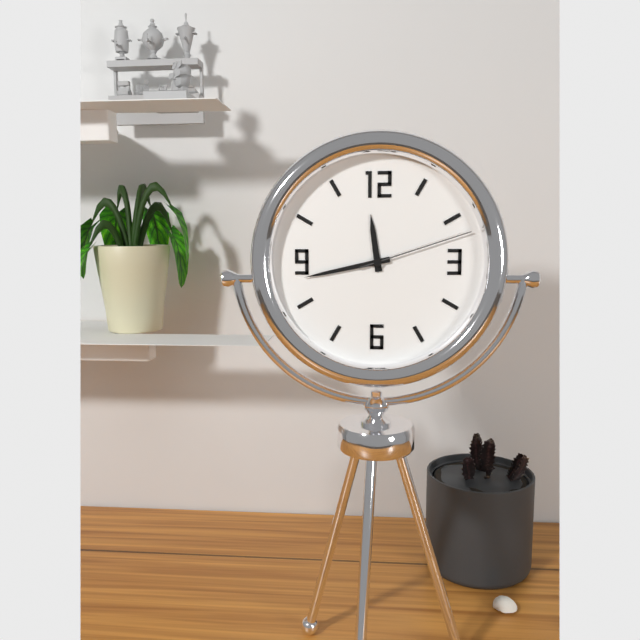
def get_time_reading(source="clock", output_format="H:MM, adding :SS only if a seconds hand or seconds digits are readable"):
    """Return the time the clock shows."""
11:43:12
